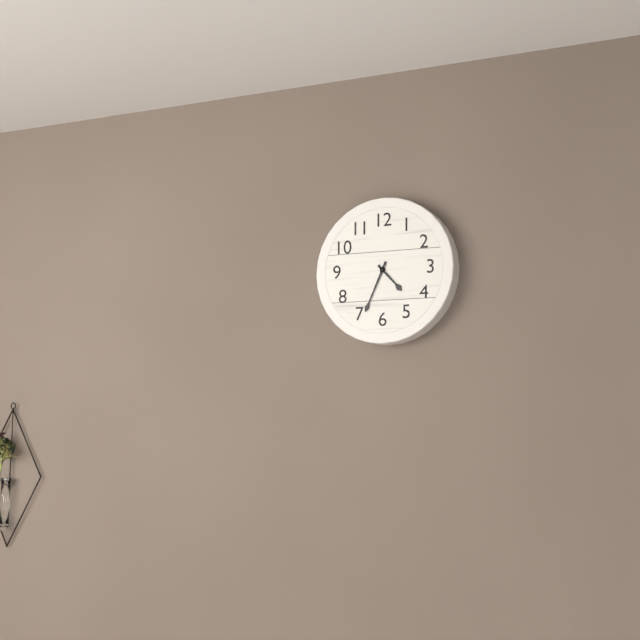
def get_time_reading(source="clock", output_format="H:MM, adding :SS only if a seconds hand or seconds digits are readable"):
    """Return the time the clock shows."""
4:34
